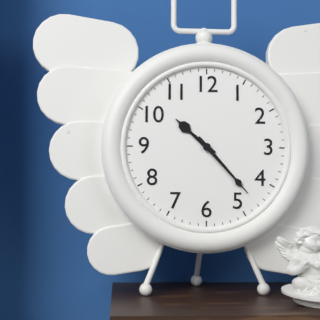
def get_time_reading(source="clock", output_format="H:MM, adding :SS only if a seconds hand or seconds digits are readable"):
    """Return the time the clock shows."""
10:23
